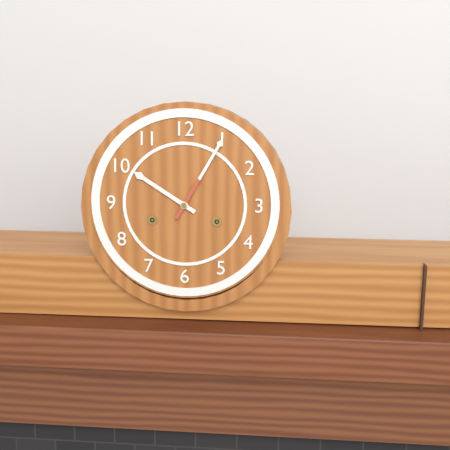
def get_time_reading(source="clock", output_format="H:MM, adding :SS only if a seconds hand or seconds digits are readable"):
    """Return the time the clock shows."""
10:05
